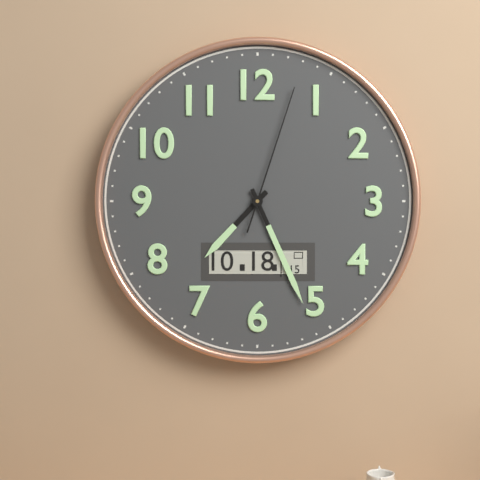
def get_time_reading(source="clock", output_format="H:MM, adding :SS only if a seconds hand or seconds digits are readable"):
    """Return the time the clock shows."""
7:26:03
